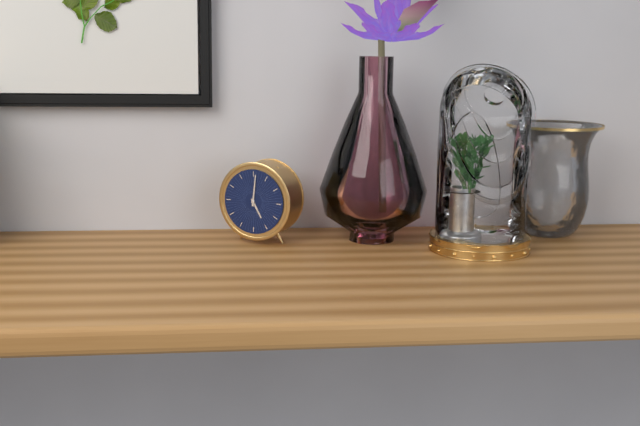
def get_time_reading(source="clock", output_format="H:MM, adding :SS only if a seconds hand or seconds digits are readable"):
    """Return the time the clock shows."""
5:01
